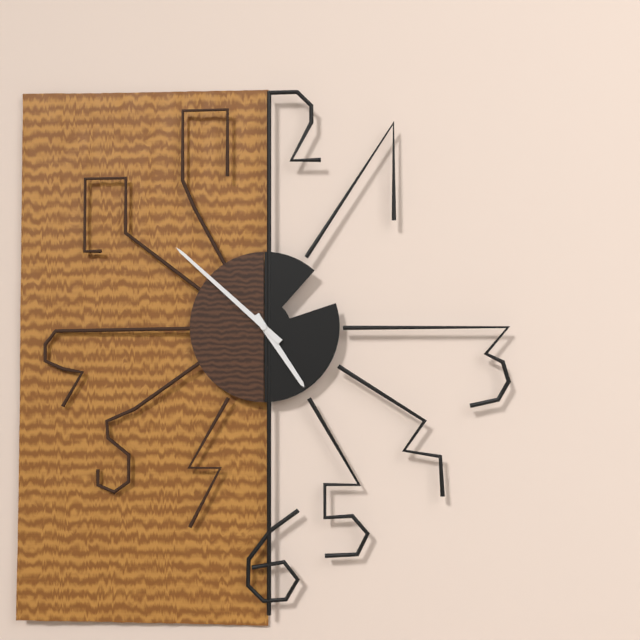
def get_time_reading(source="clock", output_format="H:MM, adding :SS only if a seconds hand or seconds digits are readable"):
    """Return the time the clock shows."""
4:52
